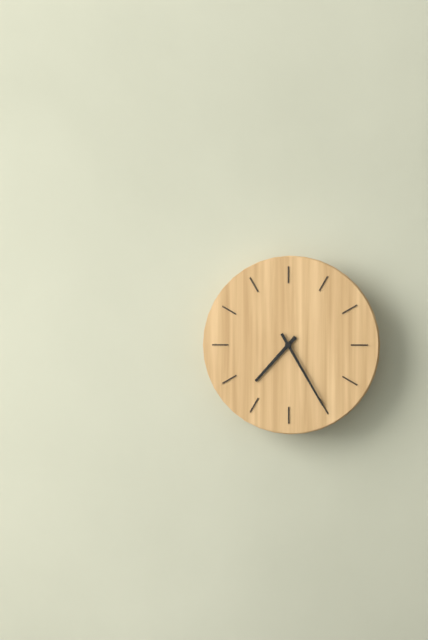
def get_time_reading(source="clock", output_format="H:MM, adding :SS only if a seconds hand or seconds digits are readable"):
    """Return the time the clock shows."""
7:25
